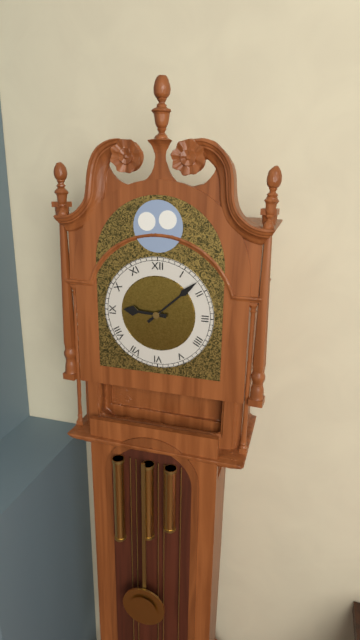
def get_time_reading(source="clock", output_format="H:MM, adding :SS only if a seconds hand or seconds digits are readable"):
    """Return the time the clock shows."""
9:08
